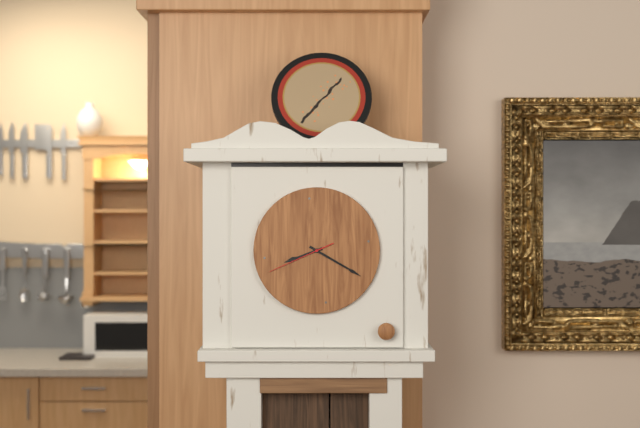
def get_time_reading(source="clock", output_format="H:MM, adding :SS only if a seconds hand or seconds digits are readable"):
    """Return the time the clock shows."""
8:20:41
